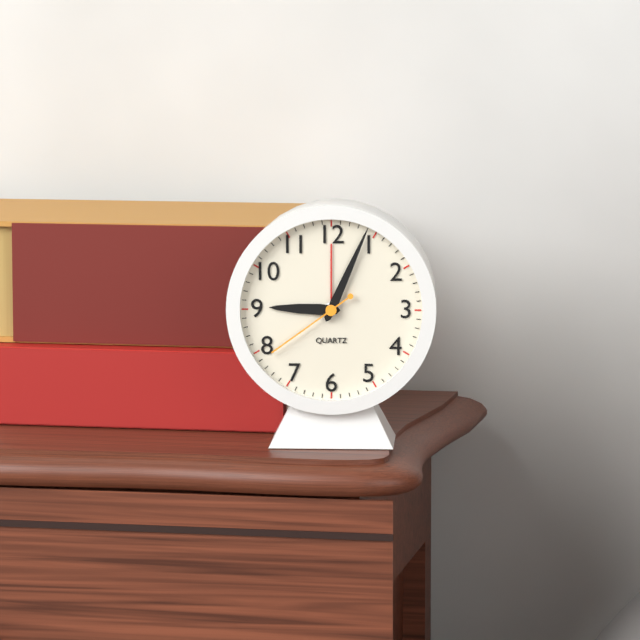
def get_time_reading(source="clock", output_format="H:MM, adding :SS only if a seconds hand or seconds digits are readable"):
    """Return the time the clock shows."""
9:04:39
